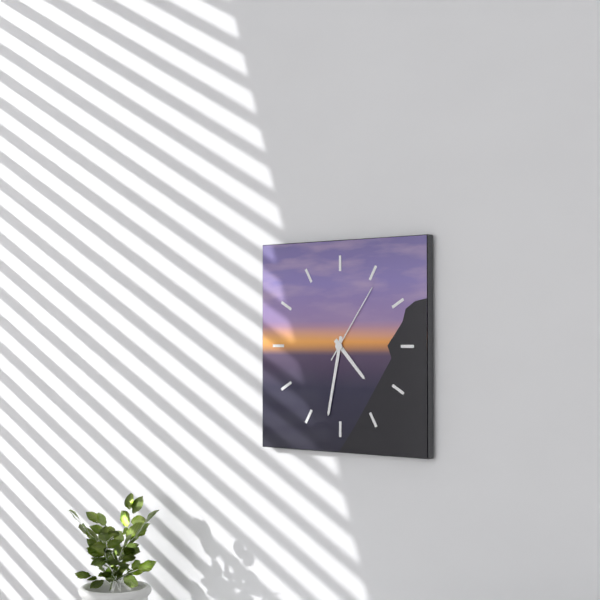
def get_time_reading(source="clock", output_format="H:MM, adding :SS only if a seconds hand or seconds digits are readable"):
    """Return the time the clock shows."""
4:32:06
